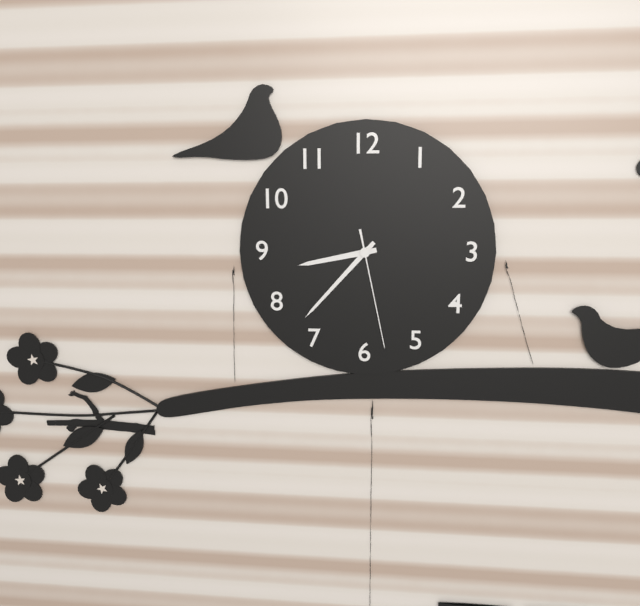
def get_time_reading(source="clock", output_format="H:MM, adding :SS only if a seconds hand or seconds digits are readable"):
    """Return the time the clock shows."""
8:37:28
